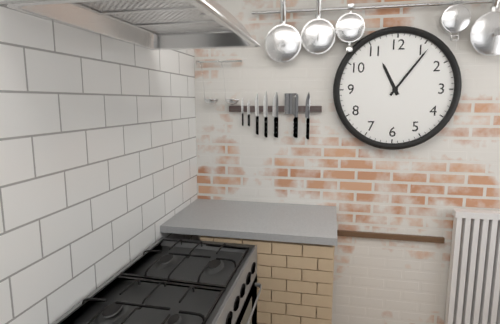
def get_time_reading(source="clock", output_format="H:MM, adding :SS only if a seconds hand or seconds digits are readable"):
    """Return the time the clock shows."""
11:06
